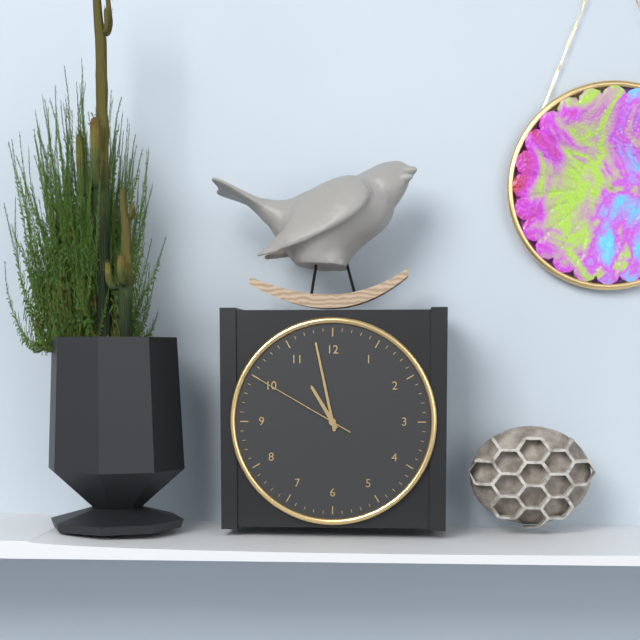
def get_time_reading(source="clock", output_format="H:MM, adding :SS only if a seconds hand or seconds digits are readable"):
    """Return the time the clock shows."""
10:58:50
